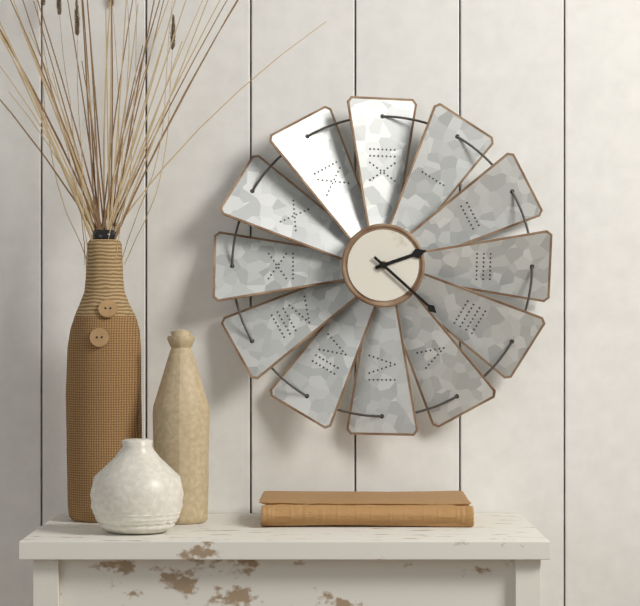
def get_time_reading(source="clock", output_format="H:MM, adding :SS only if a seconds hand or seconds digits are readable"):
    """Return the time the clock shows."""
2:22
